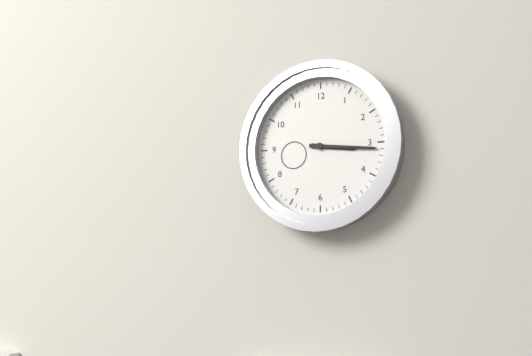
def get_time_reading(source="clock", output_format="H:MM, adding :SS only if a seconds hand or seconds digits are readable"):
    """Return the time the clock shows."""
3:16
